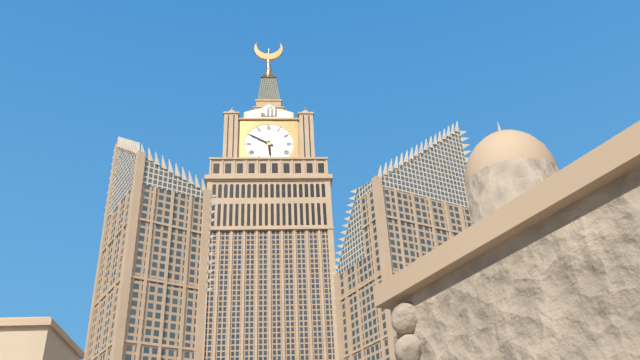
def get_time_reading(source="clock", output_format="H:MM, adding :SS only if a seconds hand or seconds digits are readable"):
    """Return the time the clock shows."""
5:50
